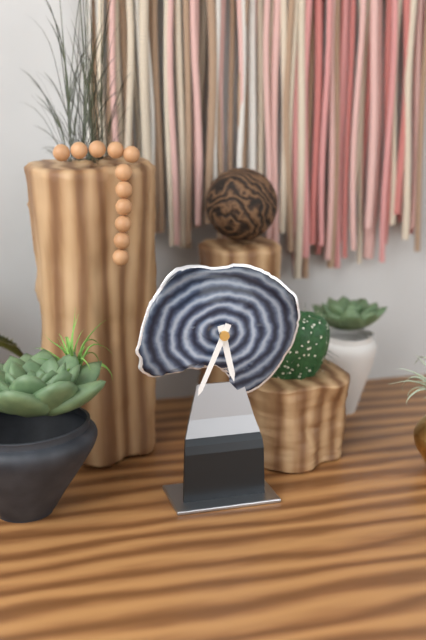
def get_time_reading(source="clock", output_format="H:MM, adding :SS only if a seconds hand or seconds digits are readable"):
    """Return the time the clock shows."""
5:34
